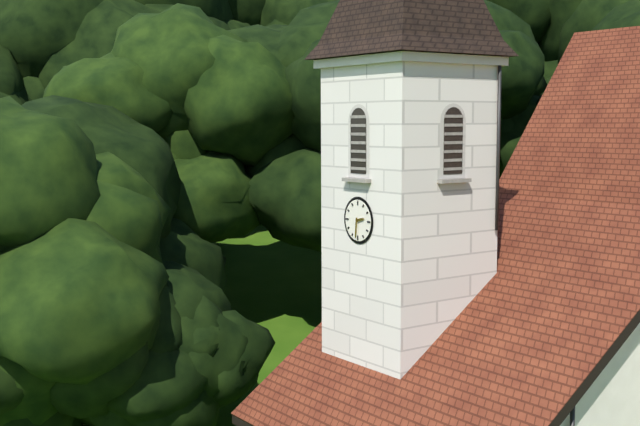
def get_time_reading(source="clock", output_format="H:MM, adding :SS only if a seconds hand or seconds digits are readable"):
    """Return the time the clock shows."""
2:31
